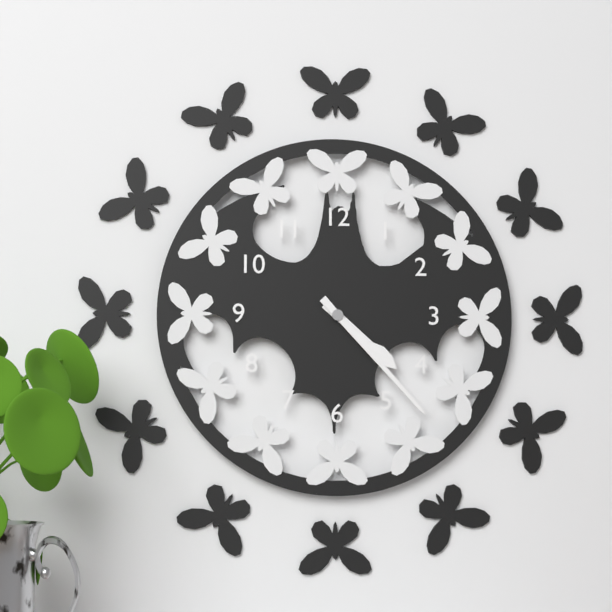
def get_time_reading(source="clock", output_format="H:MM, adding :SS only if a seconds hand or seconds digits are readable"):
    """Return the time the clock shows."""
4:23
